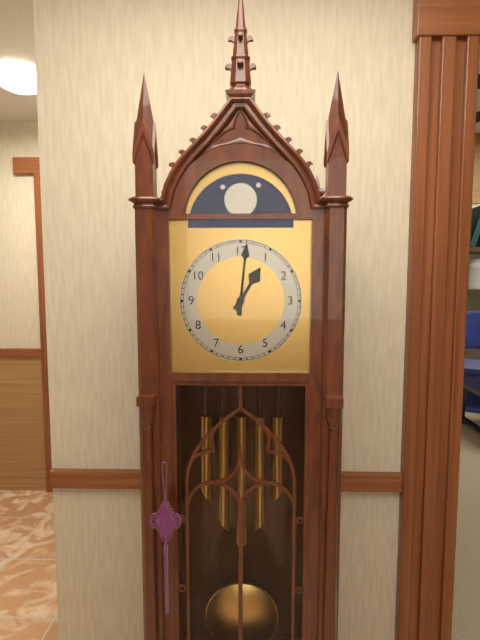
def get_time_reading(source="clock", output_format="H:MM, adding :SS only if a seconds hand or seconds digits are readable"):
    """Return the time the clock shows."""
1:01
